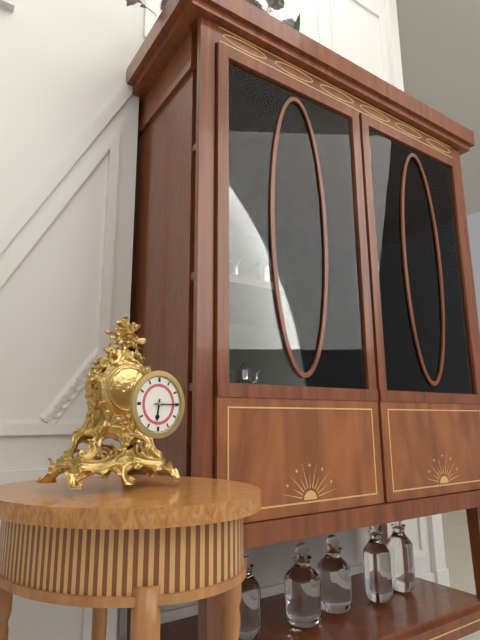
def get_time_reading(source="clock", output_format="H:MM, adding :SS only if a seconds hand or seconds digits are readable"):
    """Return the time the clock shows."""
6:15
